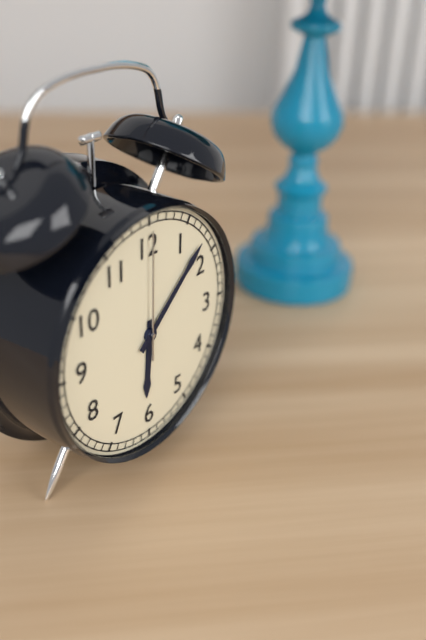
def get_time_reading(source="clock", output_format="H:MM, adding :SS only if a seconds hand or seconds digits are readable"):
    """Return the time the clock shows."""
6:08:00
